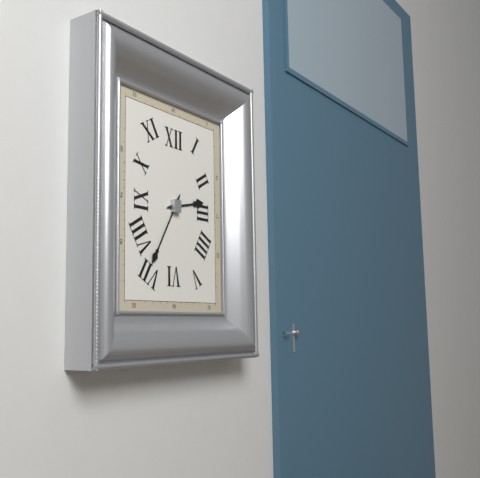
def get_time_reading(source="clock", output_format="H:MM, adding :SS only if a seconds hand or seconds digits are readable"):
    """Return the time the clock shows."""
2:35
